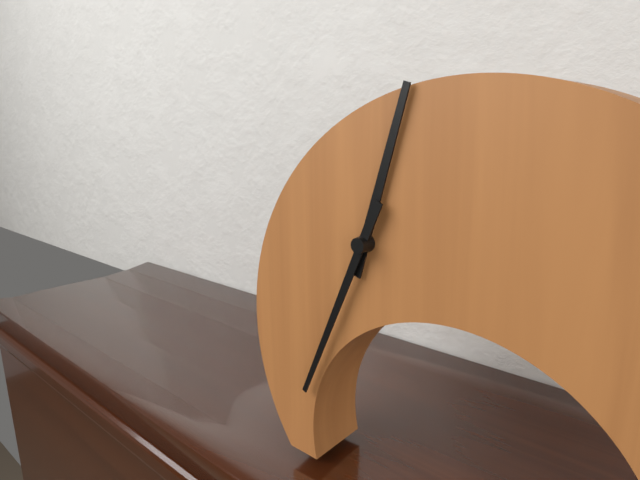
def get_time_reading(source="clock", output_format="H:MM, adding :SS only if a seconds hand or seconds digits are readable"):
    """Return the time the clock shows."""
12:34
